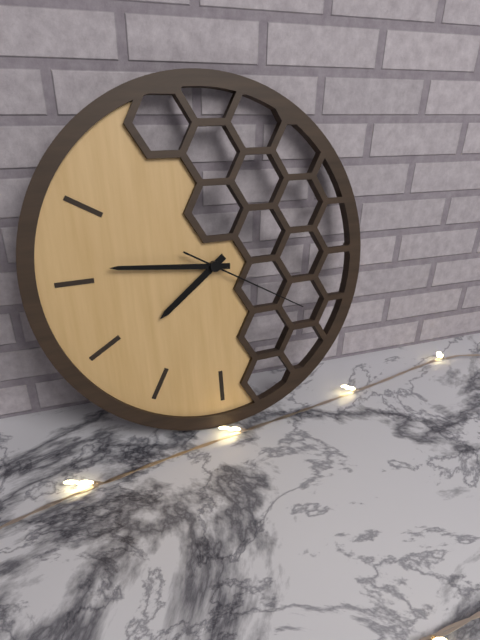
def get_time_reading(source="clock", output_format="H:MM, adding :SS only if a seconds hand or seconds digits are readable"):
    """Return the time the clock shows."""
7:46:20
